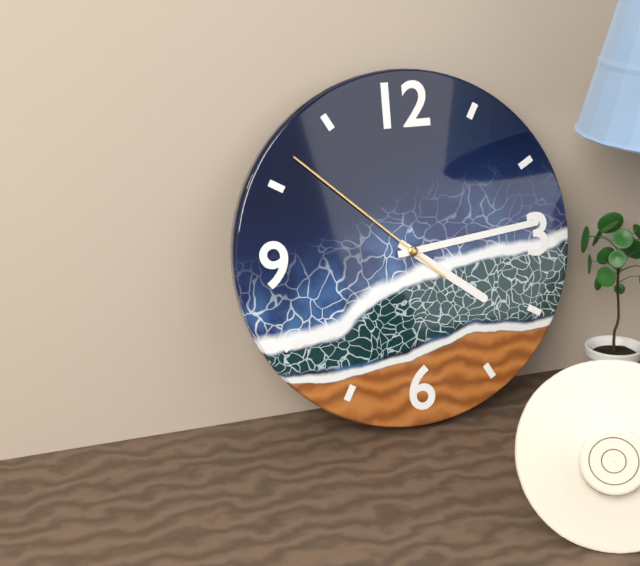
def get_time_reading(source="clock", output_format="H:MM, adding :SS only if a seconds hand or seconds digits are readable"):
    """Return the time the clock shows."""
4:14:52
